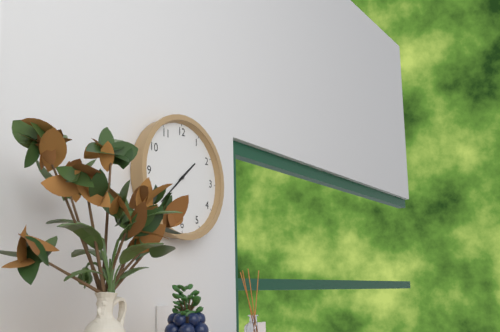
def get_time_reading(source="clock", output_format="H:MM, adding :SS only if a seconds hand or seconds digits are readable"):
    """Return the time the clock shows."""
1:38
